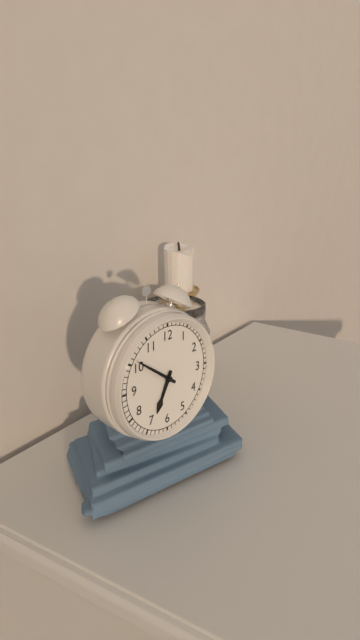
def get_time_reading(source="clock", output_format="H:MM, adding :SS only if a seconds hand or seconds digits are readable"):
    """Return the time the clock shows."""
6:51
